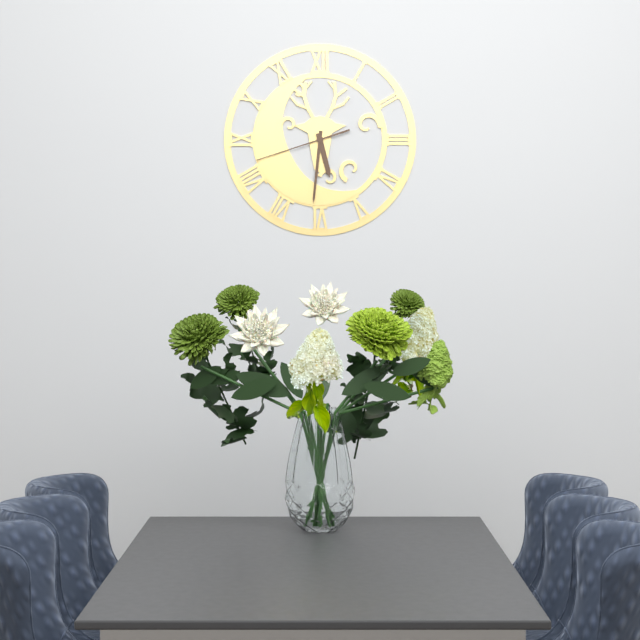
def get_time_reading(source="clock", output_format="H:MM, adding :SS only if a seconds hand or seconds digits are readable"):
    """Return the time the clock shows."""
5:31:42
